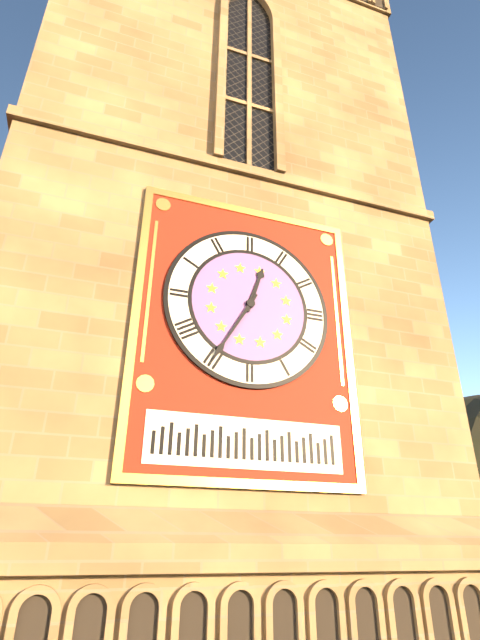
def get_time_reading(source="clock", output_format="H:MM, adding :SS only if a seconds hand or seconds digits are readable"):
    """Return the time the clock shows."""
12:35
